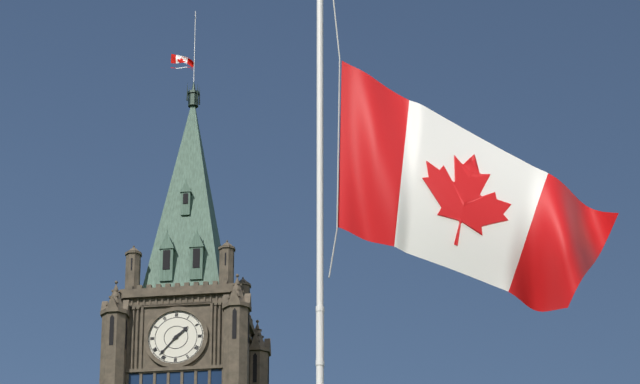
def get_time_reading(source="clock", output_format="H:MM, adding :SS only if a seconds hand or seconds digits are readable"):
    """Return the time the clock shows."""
1:37
